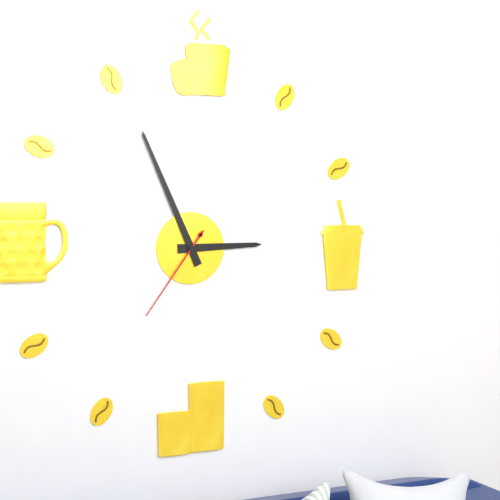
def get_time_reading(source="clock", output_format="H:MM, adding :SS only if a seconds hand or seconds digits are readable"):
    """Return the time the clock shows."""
2:56:36
